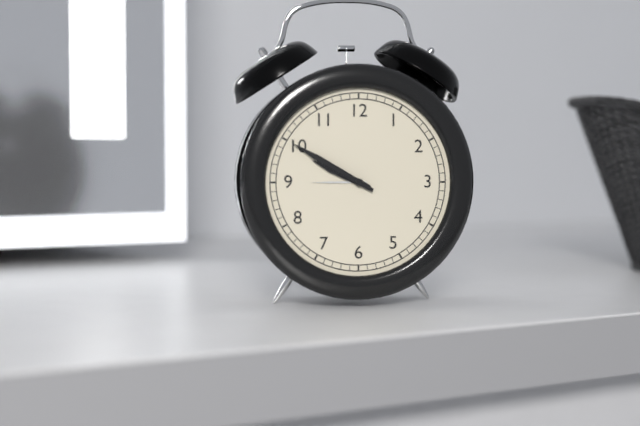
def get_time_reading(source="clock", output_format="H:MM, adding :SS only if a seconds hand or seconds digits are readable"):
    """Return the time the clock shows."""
9:50
